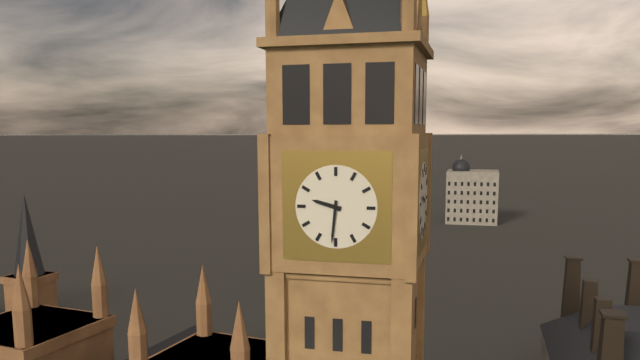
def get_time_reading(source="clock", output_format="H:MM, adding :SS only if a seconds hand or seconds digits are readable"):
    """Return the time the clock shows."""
9:31
